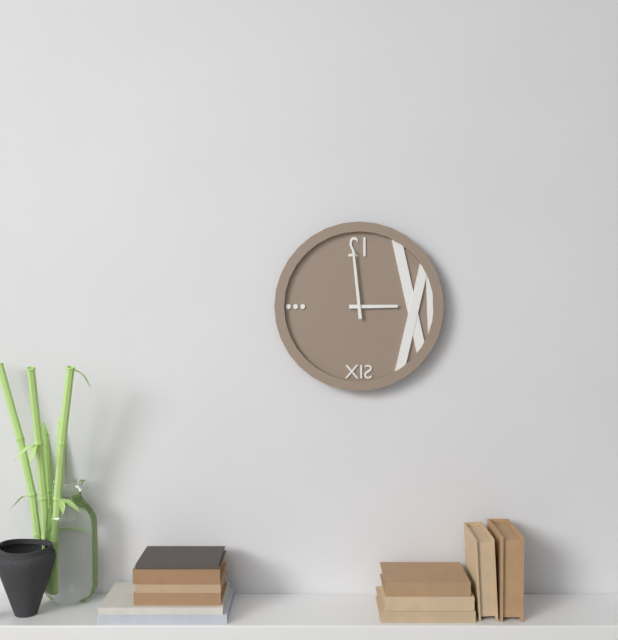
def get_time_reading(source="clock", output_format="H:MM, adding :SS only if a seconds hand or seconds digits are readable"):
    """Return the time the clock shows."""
2:59
